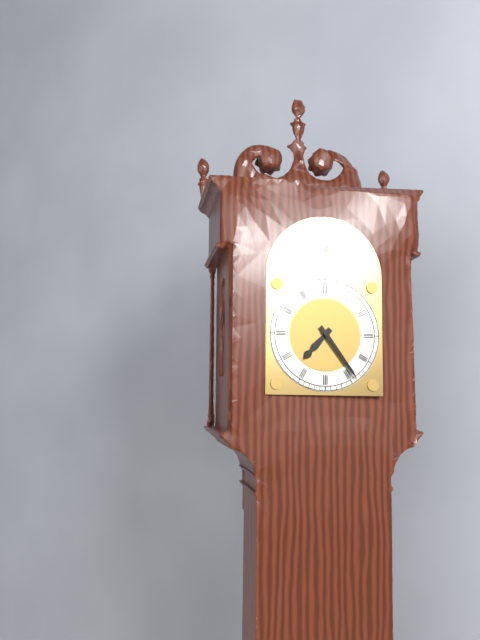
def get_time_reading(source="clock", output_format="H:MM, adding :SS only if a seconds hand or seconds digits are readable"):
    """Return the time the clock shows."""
7:24
